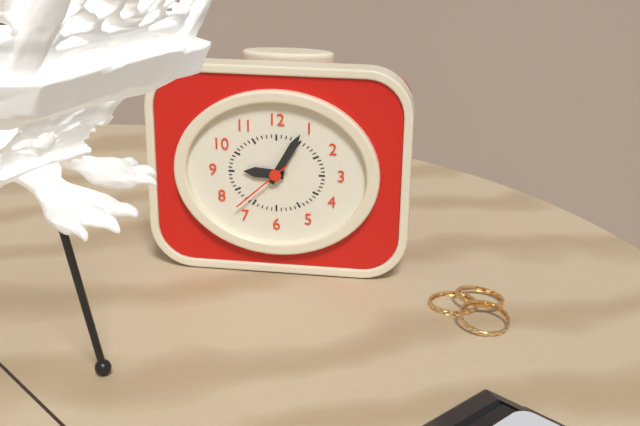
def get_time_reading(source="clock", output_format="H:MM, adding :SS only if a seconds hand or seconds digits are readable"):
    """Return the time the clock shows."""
9:05:38
